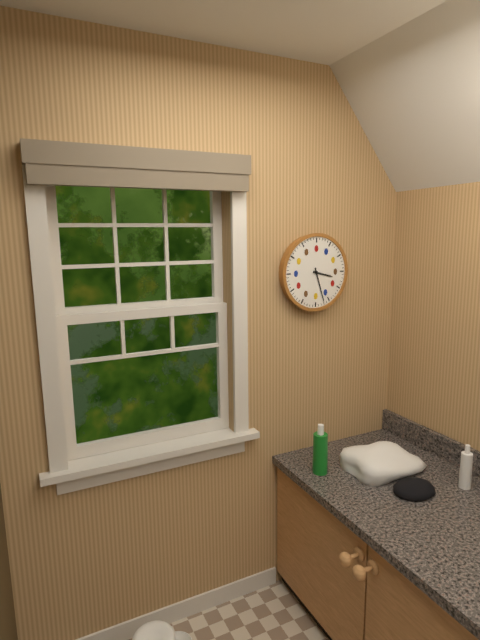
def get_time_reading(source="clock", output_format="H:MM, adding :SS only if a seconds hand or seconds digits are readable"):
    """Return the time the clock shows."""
3:27
